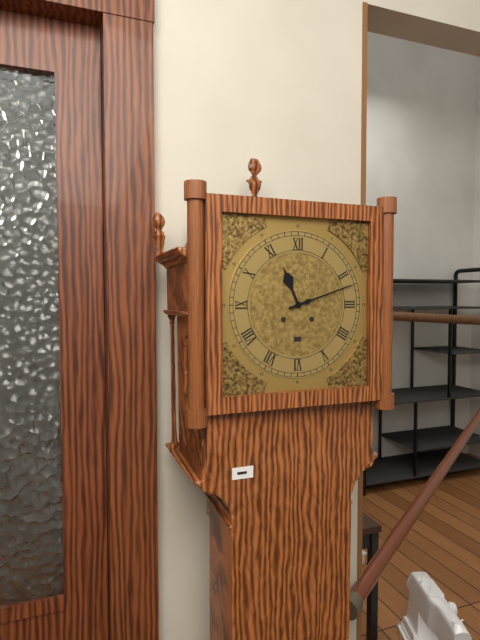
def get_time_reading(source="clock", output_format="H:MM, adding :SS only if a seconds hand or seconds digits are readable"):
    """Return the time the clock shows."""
11:12
